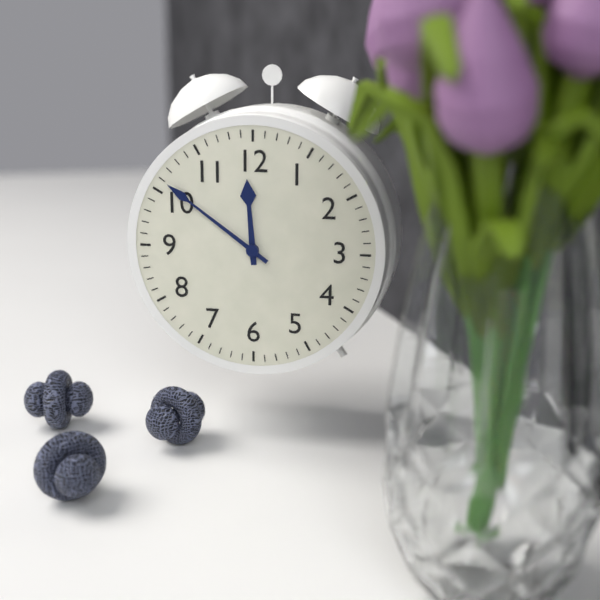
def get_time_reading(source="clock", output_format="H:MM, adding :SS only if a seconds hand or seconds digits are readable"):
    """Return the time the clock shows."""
11:51
